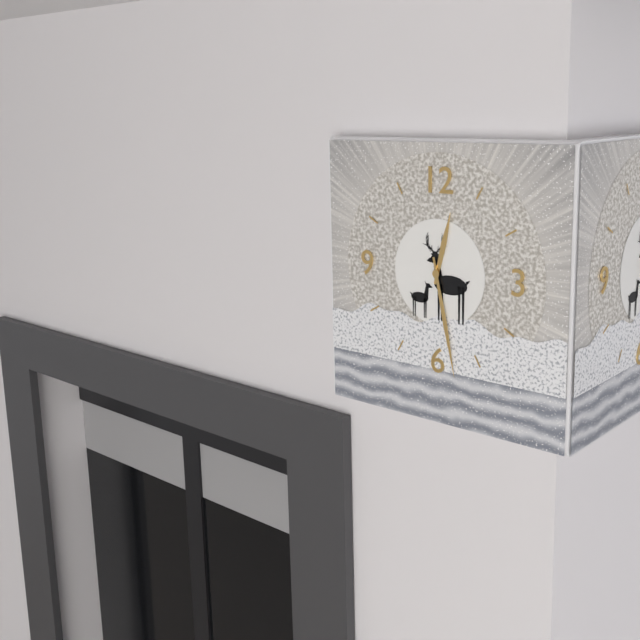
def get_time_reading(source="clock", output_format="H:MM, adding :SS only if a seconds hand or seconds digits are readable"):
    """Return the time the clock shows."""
12:28
